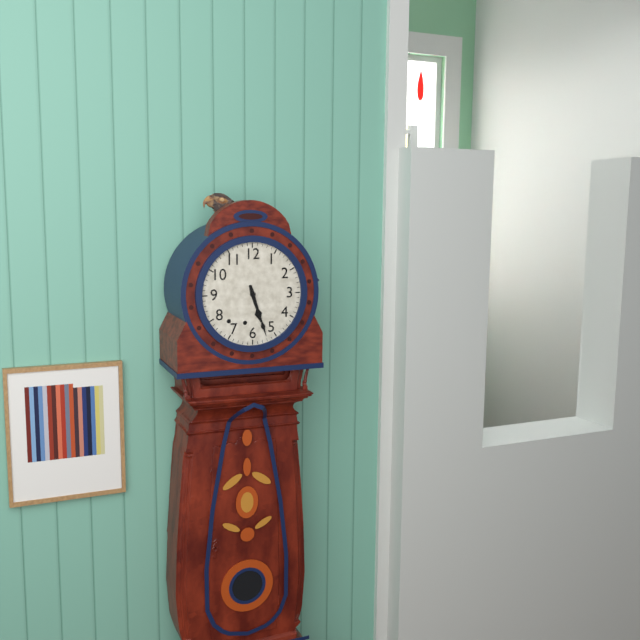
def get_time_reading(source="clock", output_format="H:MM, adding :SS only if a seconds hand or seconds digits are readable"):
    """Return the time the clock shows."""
5:27
